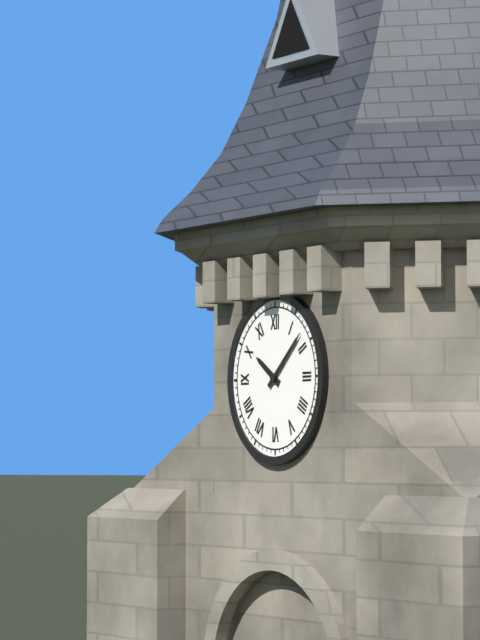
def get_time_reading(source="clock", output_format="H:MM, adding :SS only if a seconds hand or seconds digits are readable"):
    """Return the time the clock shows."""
10:08
